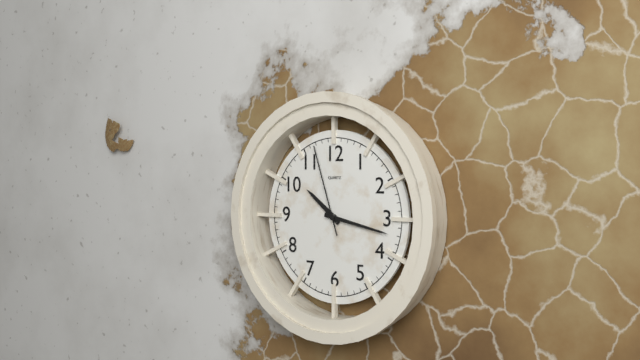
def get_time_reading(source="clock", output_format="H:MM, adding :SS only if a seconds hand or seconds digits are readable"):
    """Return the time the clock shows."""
10:17:57
